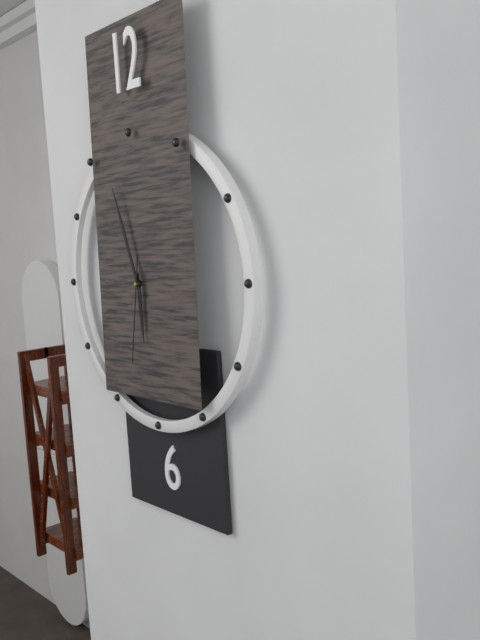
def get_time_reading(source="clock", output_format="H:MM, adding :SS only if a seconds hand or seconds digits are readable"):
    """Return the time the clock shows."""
5:57:32
